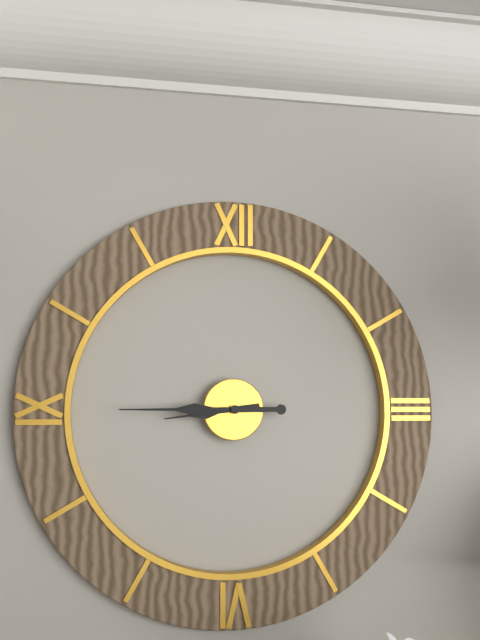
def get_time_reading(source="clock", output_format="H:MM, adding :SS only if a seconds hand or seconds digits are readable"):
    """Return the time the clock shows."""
8:45
